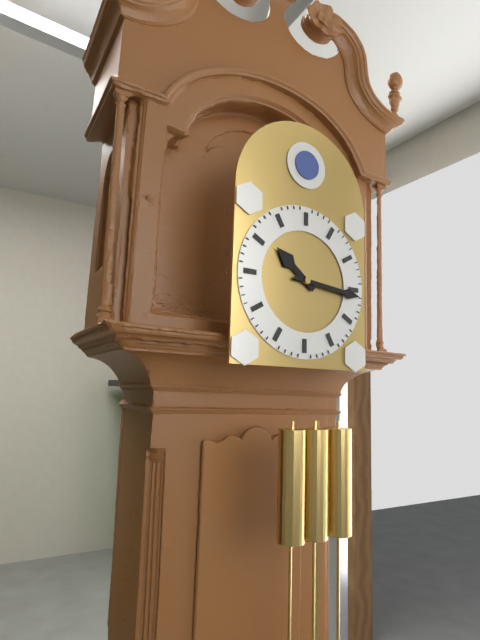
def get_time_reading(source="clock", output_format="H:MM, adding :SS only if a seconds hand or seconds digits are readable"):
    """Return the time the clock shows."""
10:16
